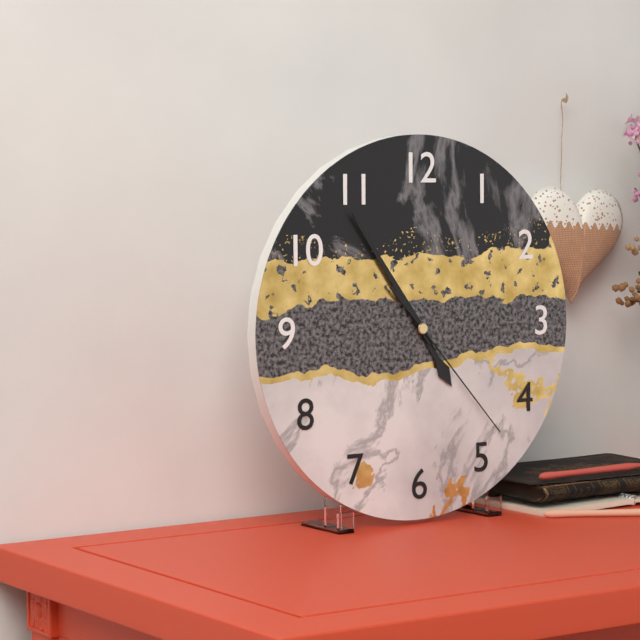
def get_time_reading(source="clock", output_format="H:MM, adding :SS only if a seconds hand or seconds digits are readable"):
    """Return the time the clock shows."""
4:54:23
